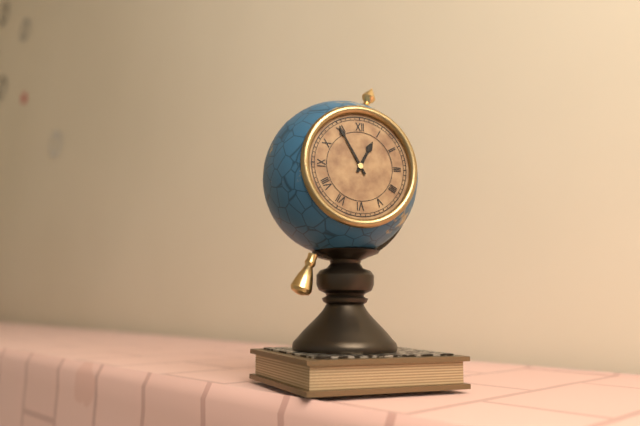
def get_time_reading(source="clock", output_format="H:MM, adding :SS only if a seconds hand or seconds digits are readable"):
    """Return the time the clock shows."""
12:55
